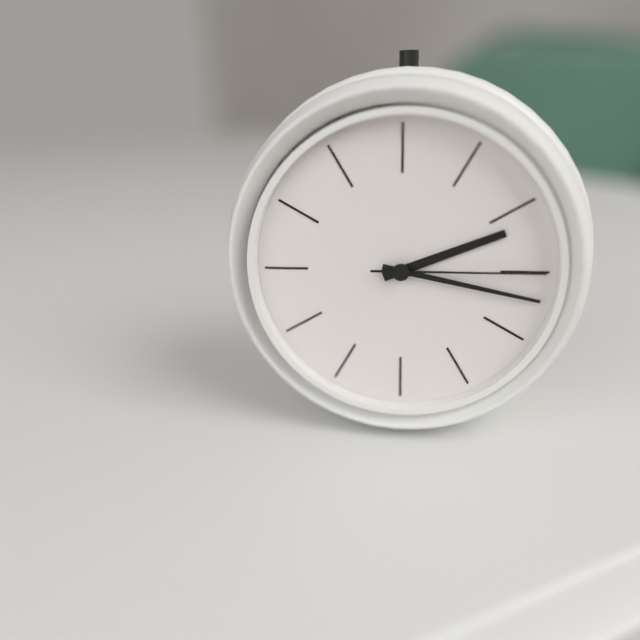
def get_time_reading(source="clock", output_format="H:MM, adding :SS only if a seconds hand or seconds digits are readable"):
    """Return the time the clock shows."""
2:17:15
